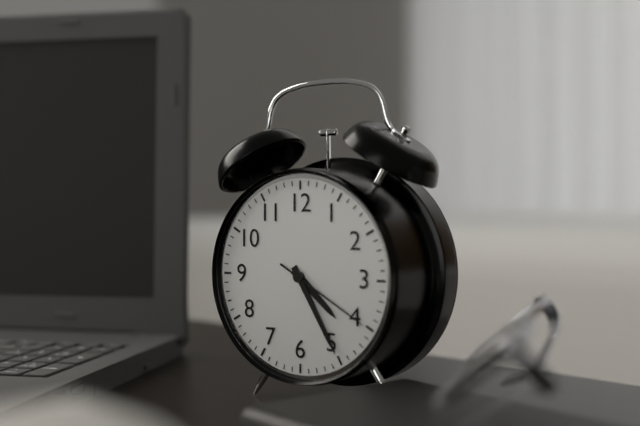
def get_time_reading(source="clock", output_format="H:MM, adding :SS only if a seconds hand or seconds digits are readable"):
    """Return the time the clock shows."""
4:25:20
